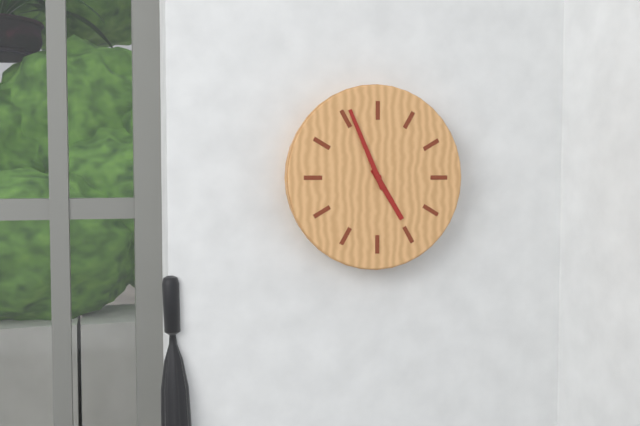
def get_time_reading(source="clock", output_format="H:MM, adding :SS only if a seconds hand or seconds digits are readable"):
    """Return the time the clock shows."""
4:56
